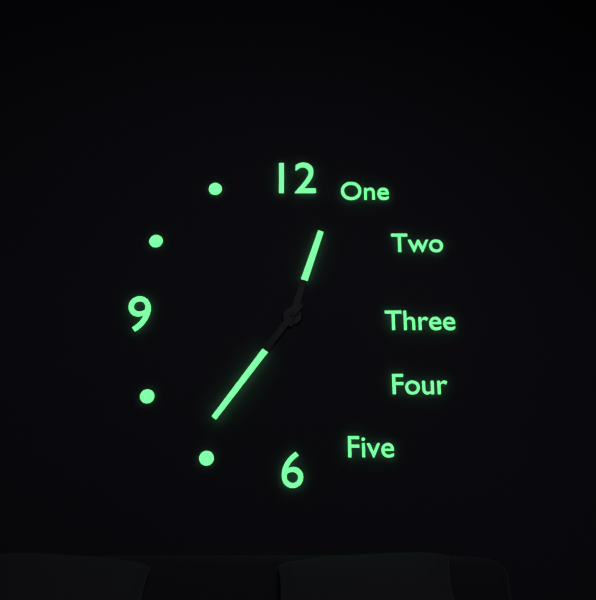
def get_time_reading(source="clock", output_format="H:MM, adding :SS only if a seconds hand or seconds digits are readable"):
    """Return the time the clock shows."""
12:36
